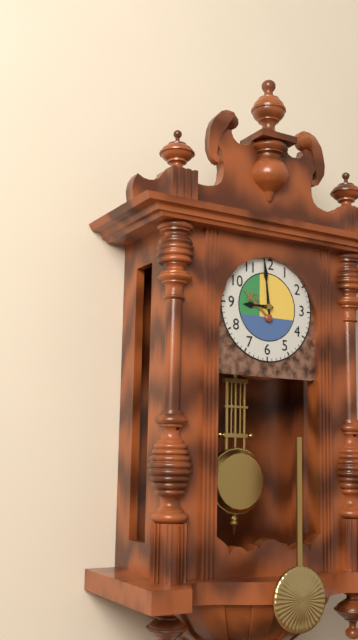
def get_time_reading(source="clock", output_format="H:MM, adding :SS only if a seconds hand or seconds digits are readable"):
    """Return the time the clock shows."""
8:59
